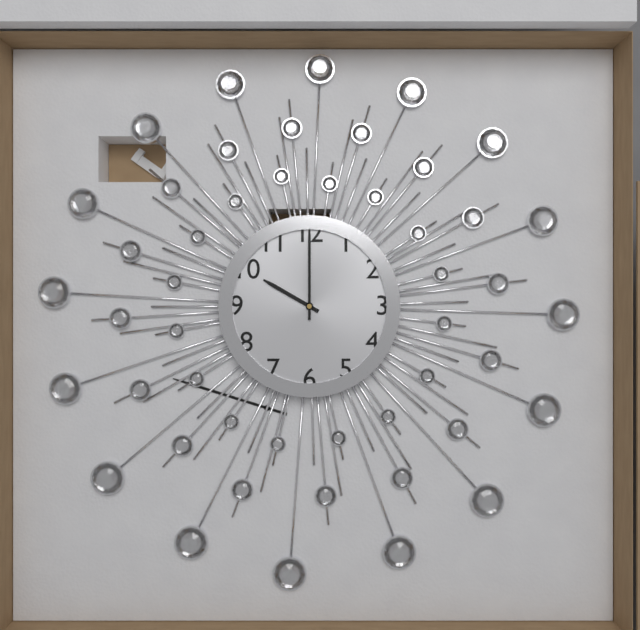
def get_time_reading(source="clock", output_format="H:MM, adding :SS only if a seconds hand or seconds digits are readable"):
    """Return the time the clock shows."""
10:00
